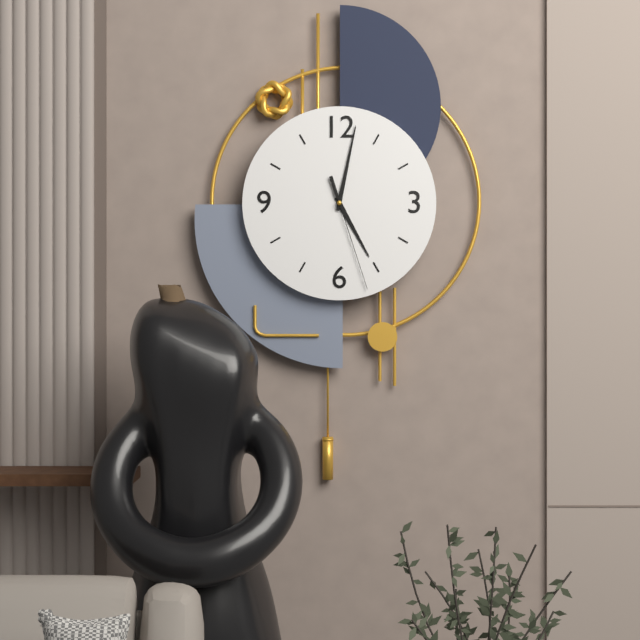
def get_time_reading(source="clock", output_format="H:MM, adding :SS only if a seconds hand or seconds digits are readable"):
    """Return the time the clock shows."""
5:02:27
